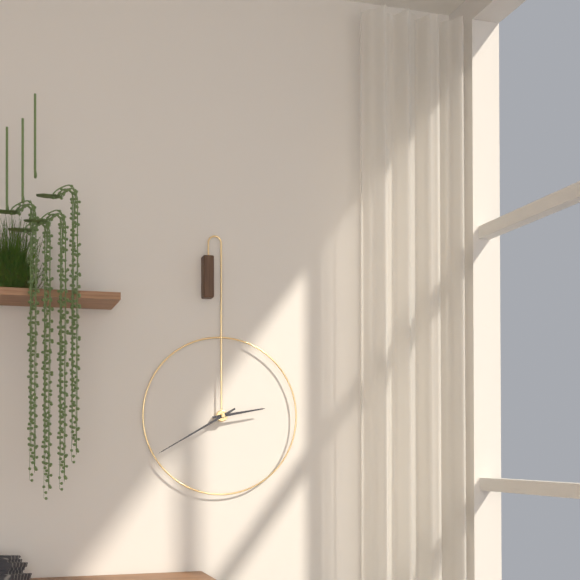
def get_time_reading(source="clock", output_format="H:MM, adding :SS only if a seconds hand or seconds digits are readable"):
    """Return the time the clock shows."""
2:40
